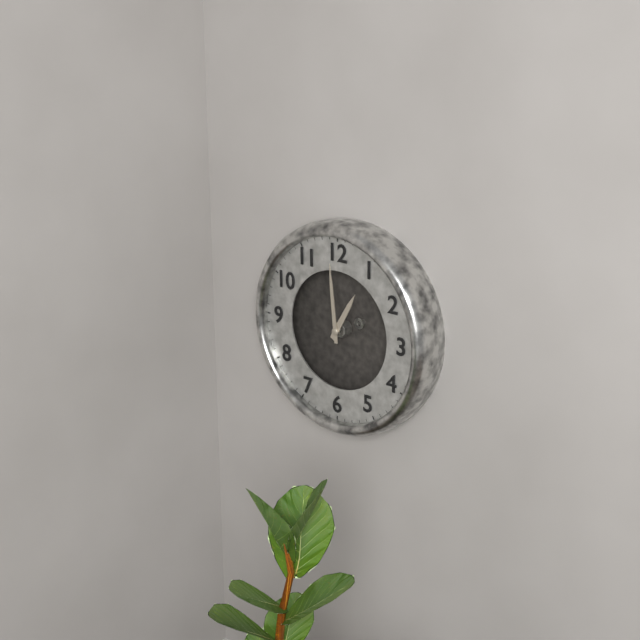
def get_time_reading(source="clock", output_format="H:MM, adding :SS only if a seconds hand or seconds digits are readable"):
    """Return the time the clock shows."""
12:59
